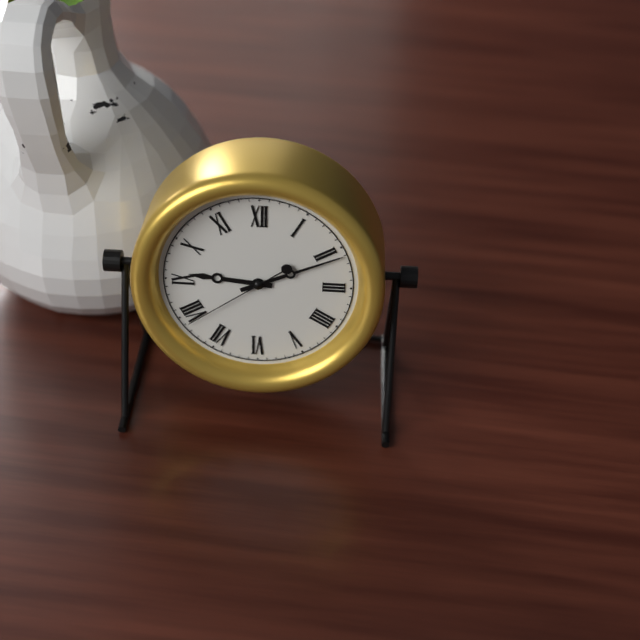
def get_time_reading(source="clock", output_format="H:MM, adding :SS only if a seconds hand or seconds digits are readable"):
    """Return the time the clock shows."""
9:11:39
